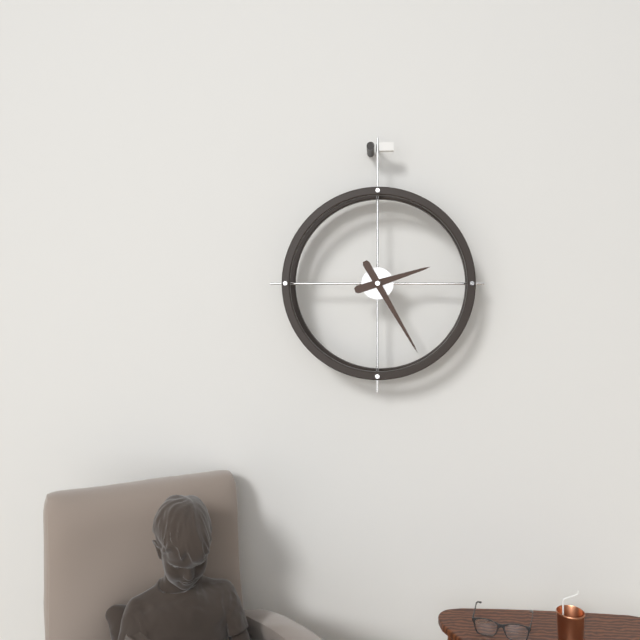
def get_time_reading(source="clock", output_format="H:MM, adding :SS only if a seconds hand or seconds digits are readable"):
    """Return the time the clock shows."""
2:25
